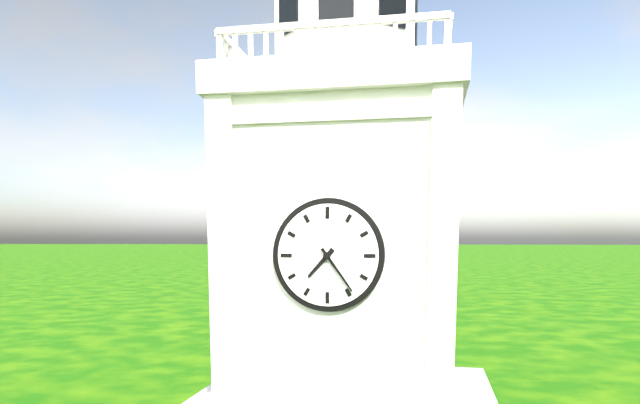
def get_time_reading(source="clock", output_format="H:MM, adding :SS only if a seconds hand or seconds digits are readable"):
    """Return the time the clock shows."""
7:24
